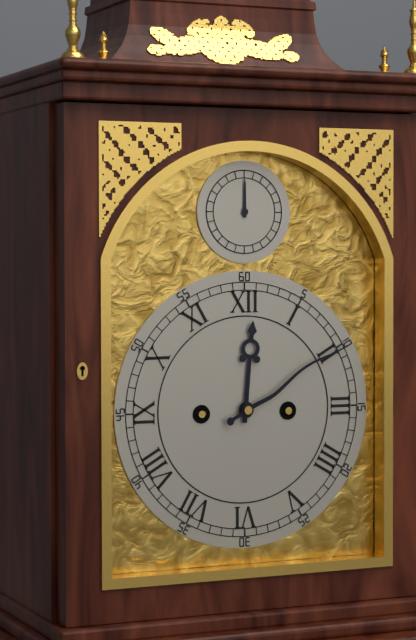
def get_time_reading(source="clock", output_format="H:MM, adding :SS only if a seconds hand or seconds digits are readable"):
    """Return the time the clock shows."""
12:10
